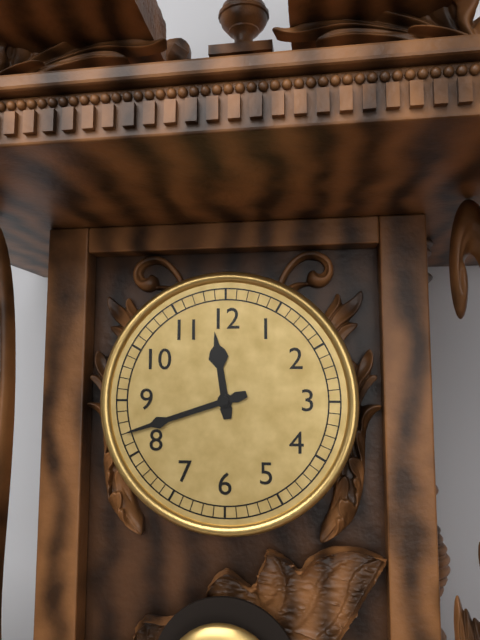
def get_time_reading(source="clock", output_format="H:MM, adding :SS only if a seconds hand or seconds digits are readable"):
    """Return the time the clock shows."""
11:42
